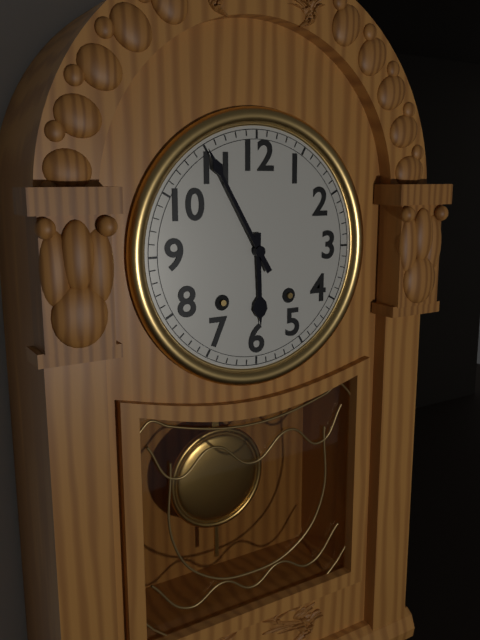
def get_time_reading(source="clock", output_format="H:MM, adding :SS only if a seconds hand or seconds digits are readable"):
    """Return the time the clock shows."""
5:55
